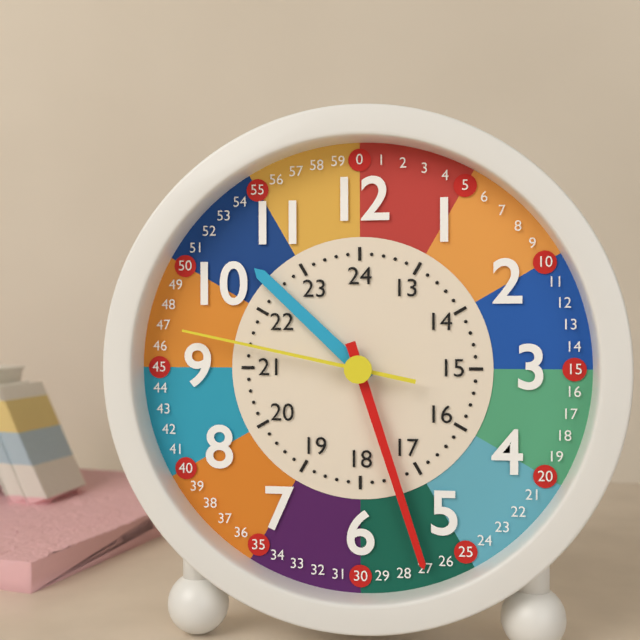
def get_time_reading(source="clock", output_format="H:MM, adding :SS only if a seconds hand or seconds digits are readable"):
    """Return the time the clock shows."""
10:27:47
